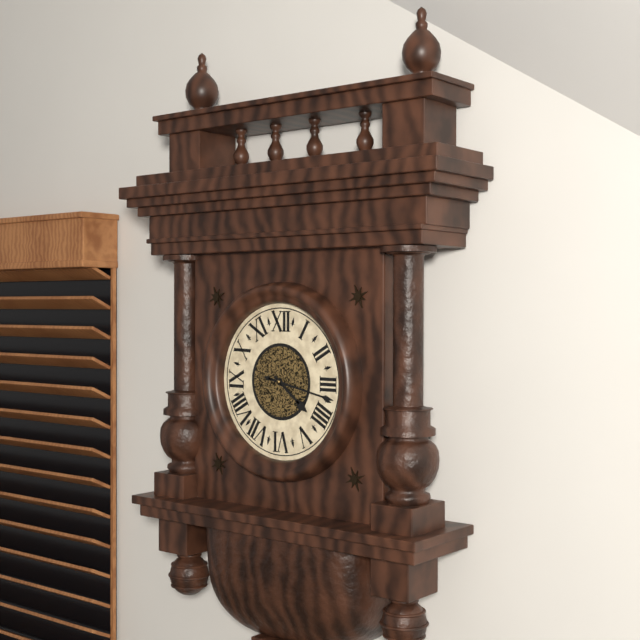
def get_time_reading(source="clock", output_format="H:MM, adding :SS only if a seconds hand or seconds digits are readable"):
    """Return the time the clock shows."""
4:17
